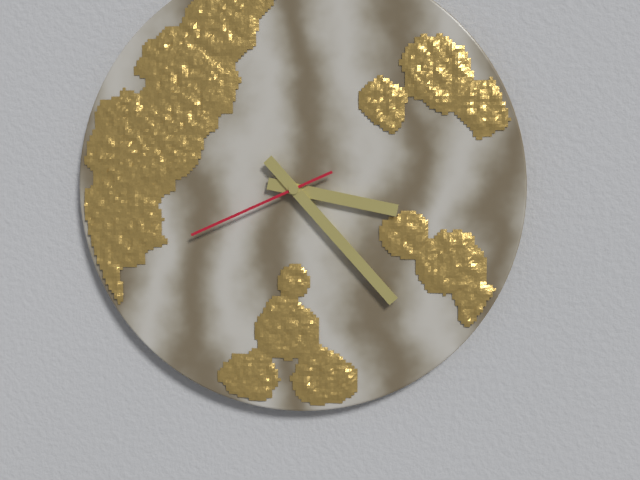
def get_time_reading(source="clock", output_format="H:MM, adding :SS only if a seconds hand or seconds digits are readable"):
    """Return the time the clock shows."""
3:23:41
